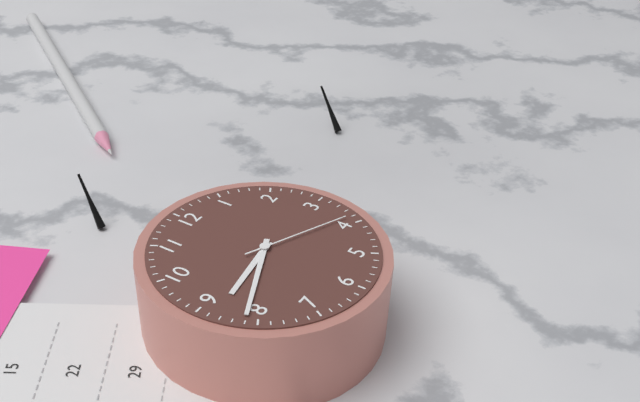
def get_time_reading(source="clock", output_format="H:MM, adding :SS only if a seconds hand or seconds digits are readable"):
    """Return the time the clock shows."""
8:41:19
